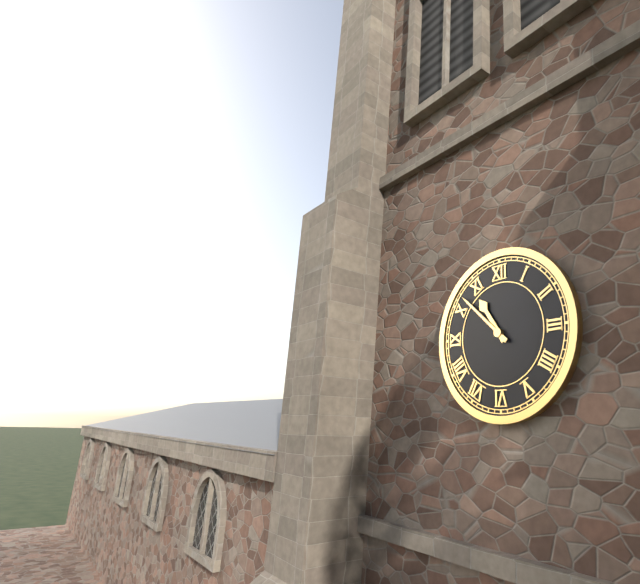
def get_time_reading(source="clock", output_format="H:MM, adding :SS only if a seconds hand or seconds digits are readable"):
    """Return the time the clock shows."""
10:52
